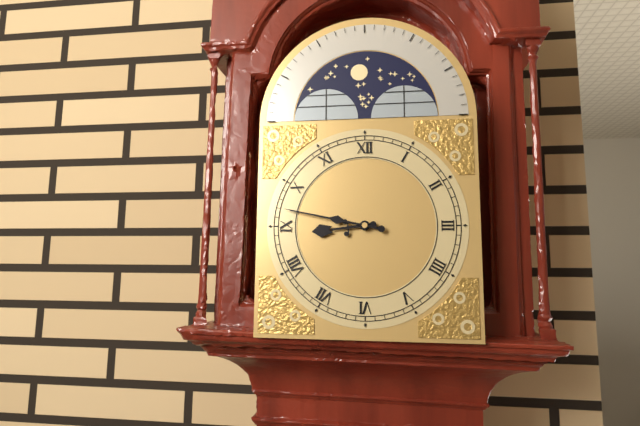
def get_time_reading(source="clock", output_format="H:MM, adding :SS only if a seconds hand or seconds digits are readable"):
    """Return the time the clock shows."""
8:47
